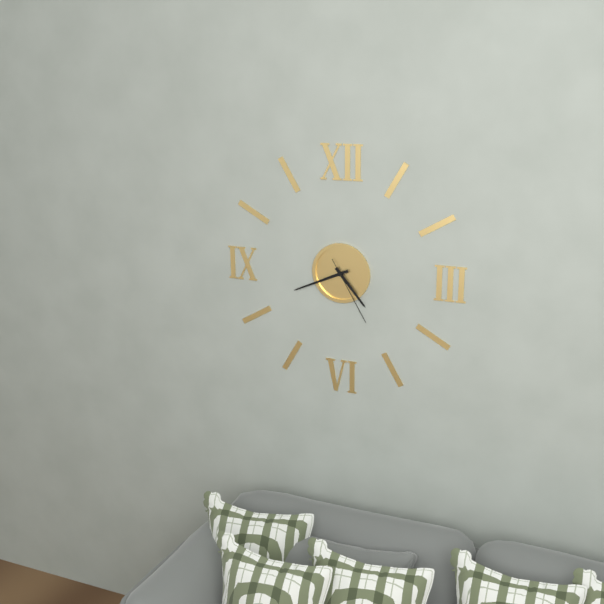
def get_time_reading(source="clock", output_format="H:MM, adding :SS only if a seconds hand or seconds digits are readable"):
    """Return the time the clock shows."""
4:41:25
